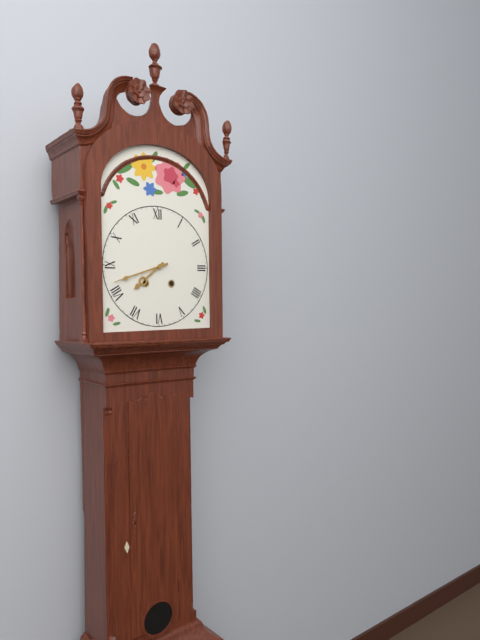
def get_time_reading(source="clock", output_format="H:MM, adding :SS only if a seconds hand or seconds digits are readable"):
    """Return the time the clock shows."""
7:42
